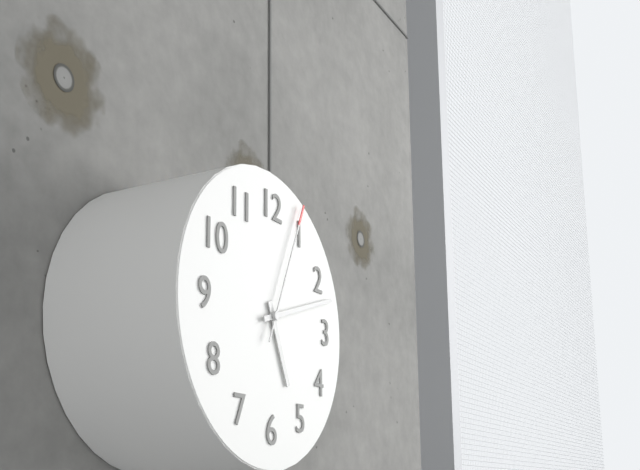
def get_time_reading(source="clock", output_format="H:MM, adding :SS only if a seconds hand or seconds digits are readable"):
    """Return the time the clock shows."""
5:12:04
